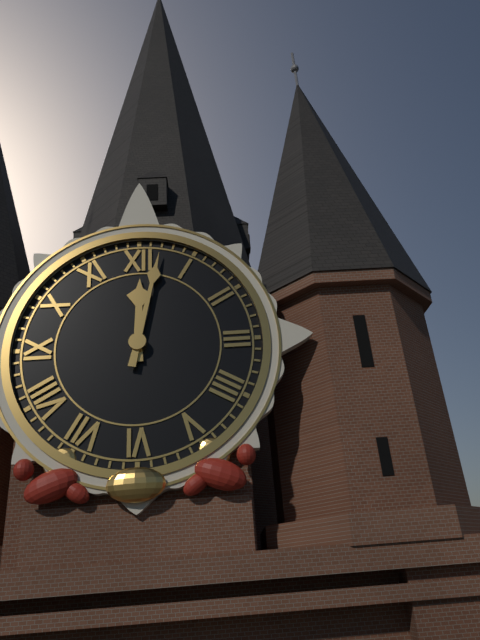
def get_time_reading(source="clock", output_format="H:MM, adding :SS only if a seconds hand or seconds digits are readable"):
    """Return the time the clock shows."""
12:02
